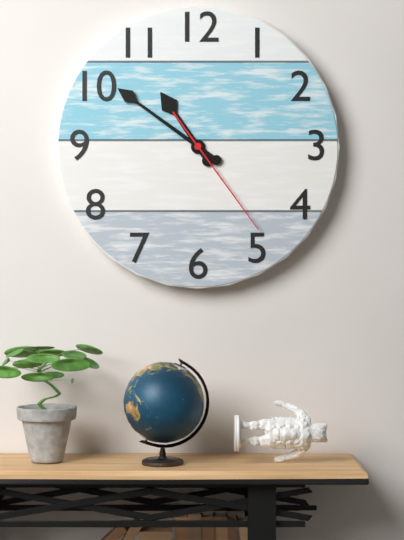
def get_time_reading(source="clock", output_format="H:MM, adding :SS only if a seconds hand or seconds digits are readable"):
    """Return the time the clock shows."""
10:51:24
